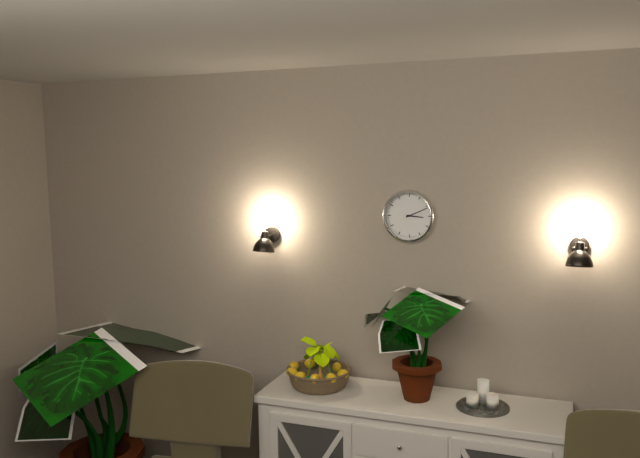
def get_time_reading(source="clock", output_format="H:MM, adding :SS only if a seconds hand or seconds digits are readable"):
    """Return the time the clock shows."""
3:11
